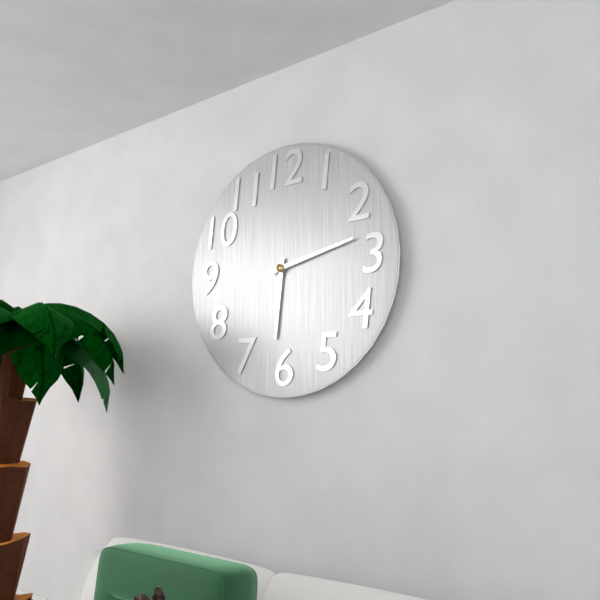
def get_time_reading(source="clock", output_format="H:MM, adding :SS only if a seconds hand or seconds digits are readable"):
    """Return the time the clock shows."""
6:13
